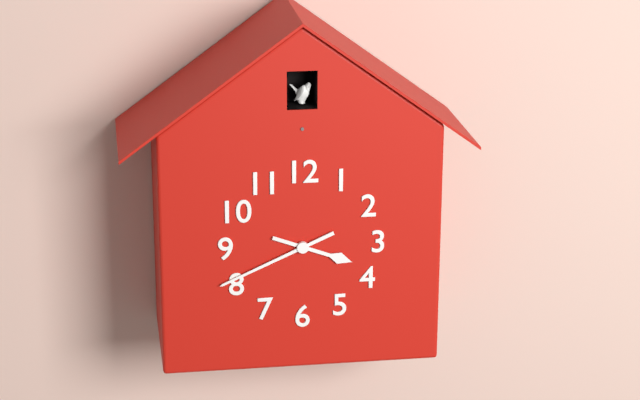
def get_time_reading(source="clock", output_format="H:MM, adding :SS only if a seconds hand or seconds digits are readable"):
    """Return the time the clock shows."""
3:41
